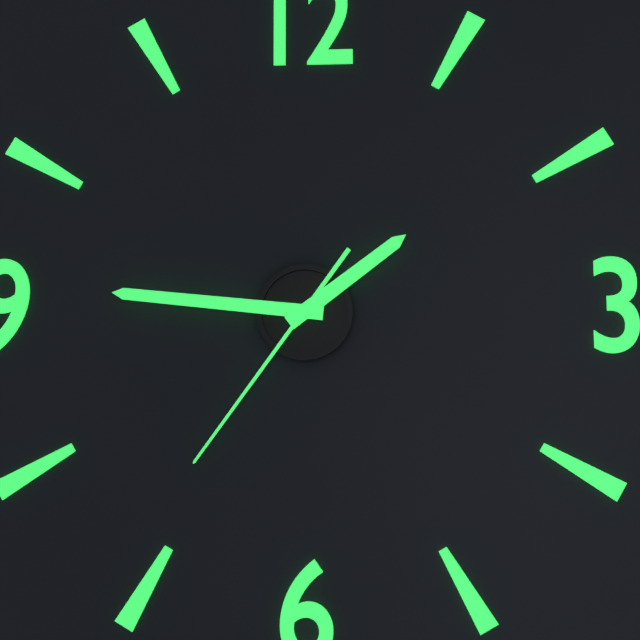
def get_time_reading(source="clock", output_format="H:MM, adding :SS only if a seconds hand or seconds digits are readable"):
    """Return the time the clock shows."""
1:46:36
